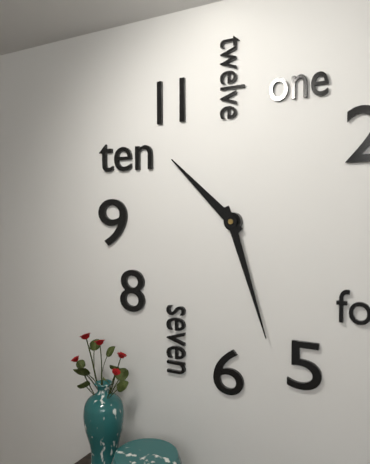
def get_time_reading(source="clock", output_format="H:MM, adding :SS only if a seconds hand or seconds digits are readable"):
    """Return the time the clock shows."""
10:27
